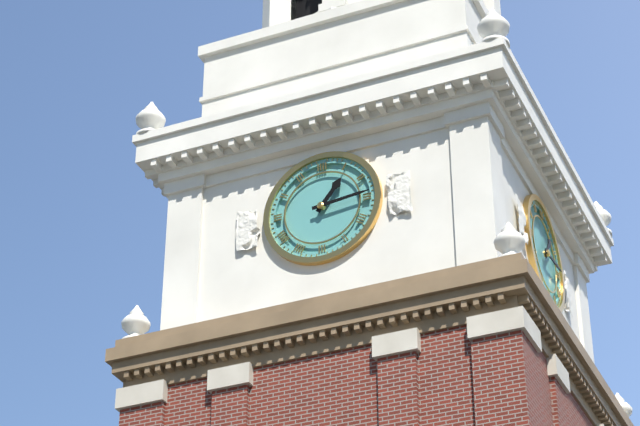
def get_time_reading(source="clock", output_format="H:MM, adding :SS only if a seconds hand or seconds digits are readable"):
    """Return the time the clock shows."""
1:14
